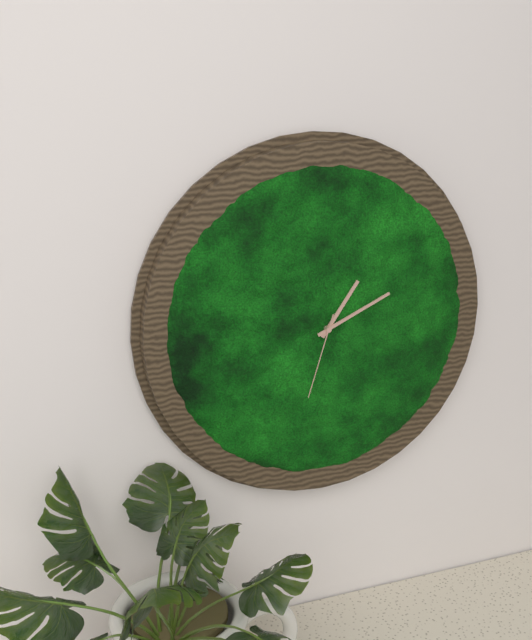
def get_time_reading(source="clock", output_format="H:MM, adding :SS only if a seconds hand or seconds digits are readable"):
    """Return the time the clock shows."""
1:11:33
